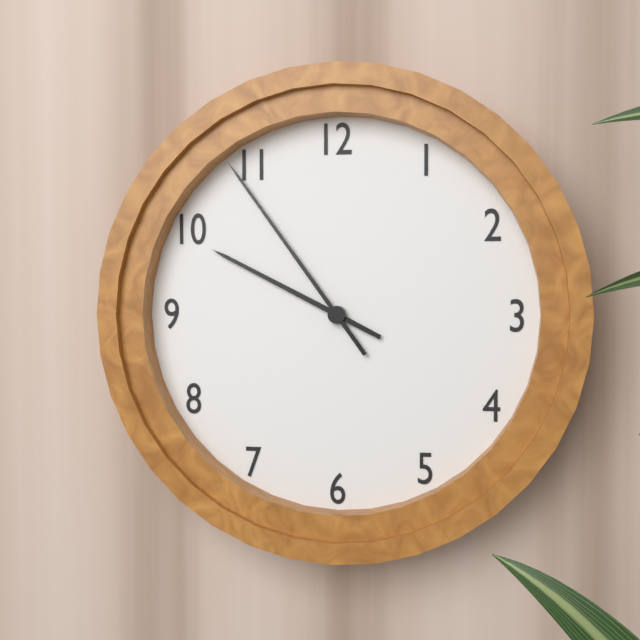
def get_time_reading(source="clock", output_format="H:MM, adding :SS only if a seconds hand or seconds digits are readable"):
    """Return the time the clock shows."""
9:54
